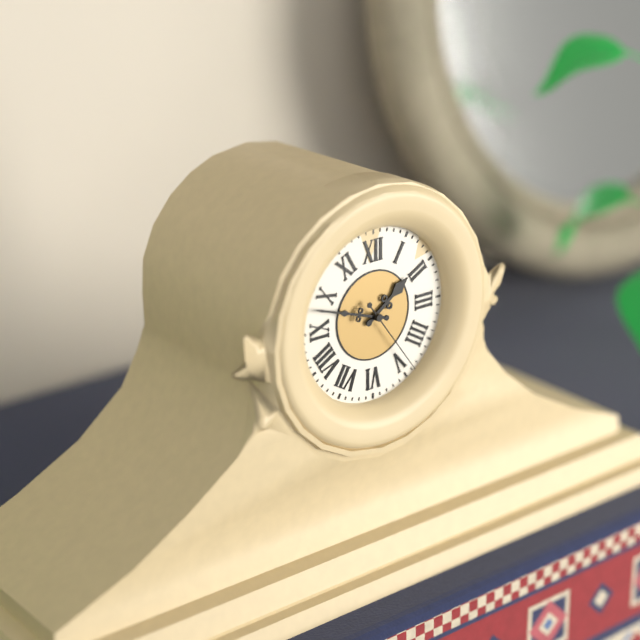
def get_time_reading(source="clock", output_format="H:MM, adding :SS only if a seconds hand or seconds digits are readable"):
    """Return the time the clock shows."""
1:48:24
